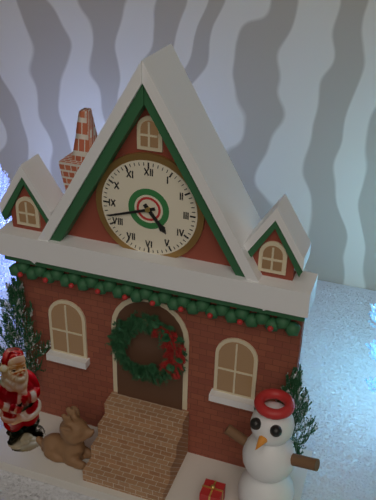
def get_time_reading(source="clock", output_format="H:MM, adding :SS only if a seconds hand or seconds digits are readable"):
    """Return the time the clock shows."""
4:42
